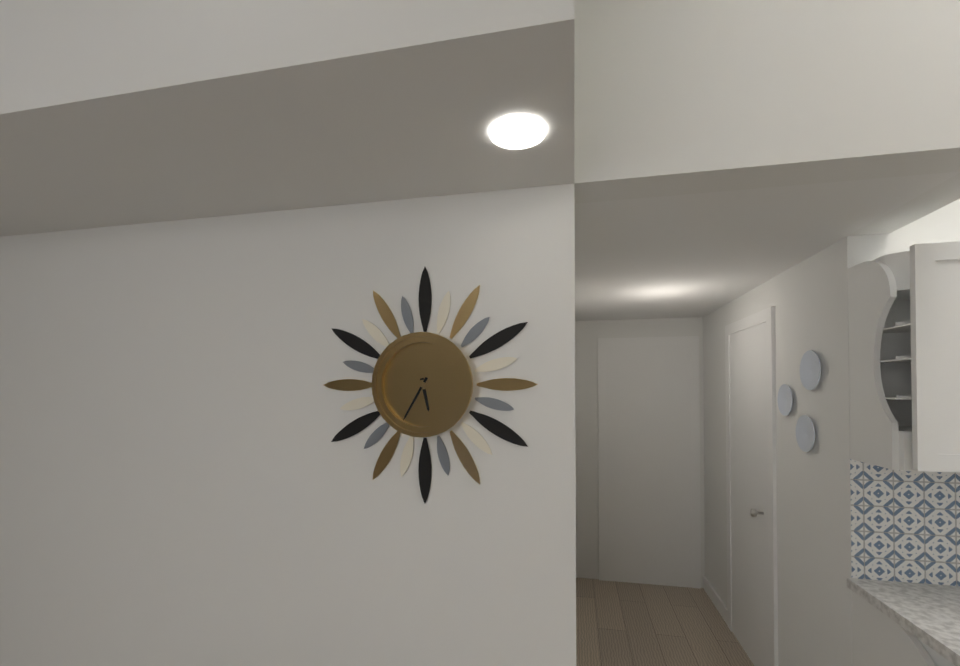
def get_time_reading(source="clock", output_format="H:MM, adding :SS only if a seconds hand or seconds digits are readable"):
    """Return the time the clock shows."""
5:35
